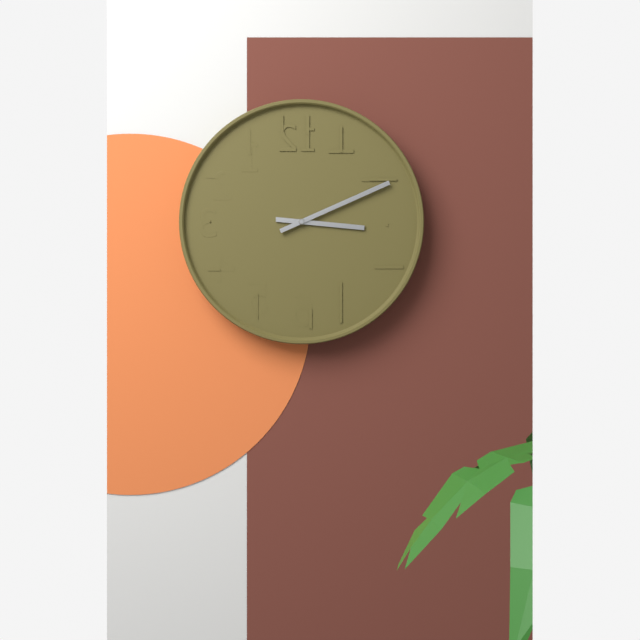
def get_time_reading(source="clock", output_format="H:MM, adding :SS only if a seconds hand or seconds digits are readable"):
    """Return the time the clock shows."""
3:11
